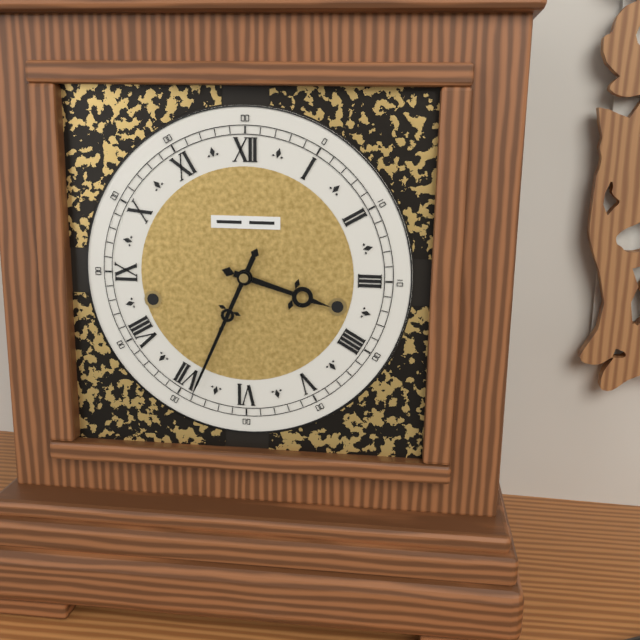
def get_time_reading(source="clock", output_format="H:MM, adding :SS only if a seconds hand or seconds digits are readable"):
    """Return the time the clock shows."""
3:34
